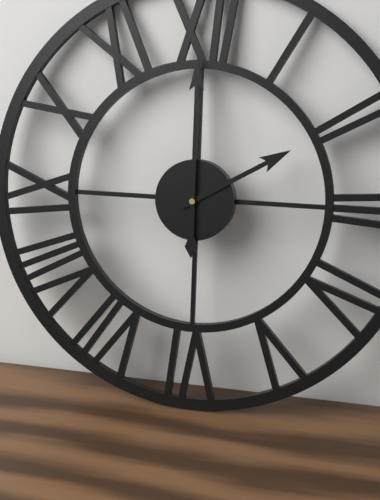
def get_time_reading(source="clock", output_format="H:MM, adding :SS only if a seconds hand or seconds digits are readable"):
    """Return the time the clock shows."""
2:00
